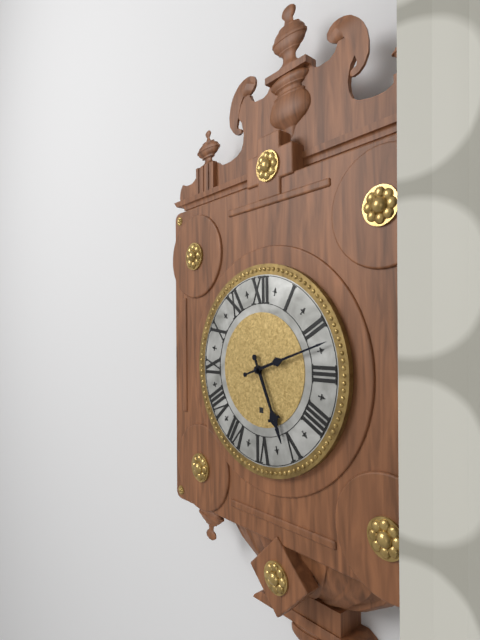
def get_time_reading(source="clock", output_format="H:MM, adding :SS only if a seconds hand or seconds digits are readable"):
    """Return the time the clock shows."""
5:12
